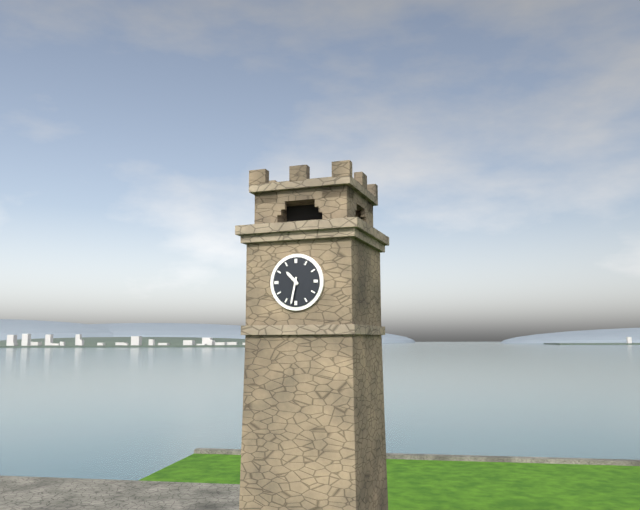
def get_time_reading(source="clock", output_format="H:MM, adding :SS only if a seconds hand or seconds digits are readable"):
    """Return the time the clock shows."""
10:32
